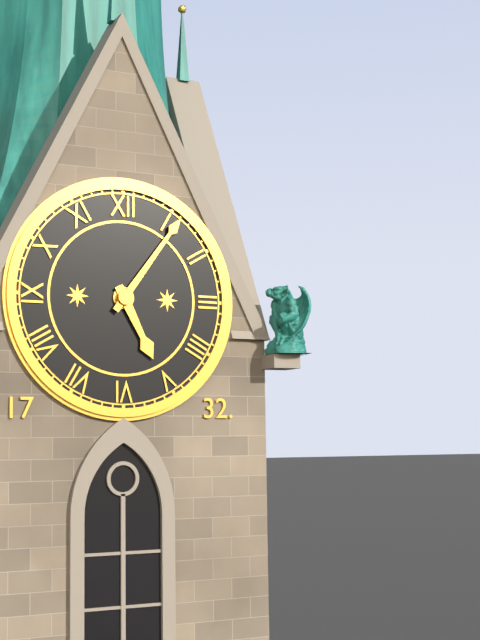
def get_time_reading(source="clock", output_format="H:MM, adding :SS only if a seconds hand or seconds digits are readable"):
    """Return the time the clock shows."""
5:06
